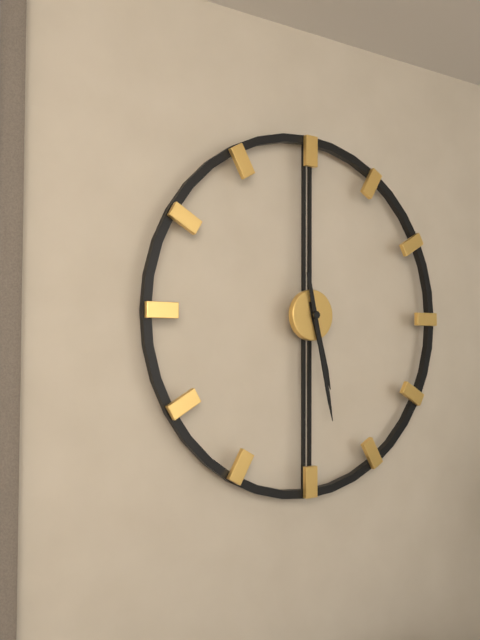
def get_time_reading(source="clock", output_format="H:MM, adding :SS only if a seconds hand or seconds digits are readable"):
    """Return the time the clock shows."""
5:28
